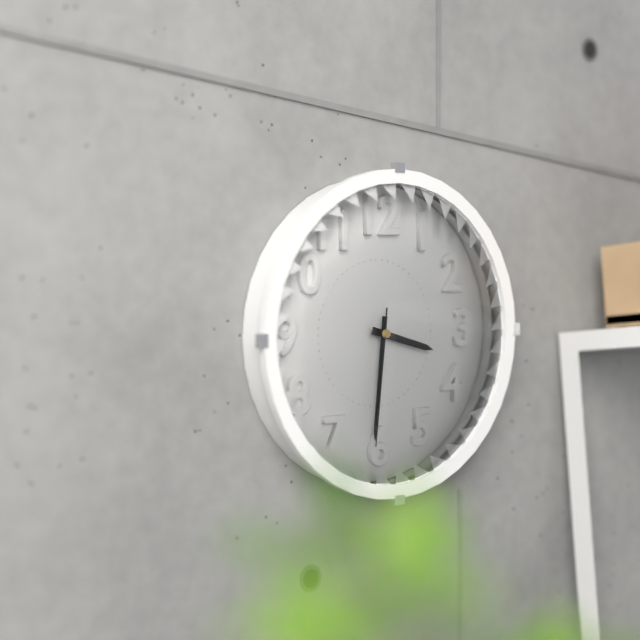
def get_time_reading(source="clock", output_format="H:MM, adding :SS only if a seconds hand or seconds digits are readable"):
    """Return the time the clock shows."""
3:31:31
